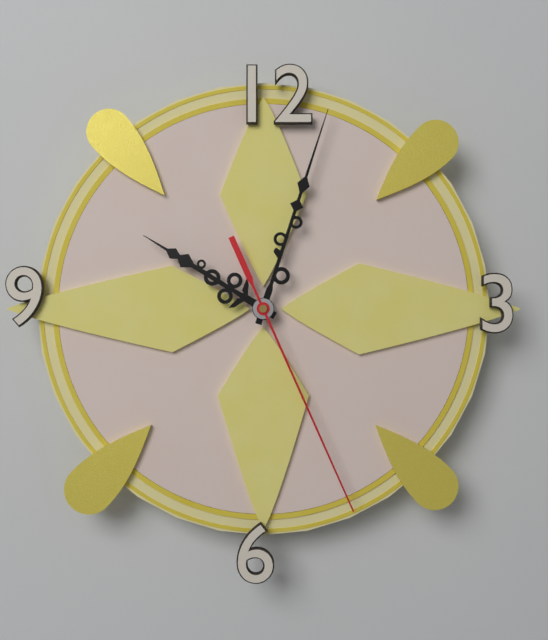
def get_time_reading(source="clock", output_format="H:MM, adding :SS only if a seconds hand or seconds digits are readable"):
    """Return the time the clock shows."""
10:03:26
